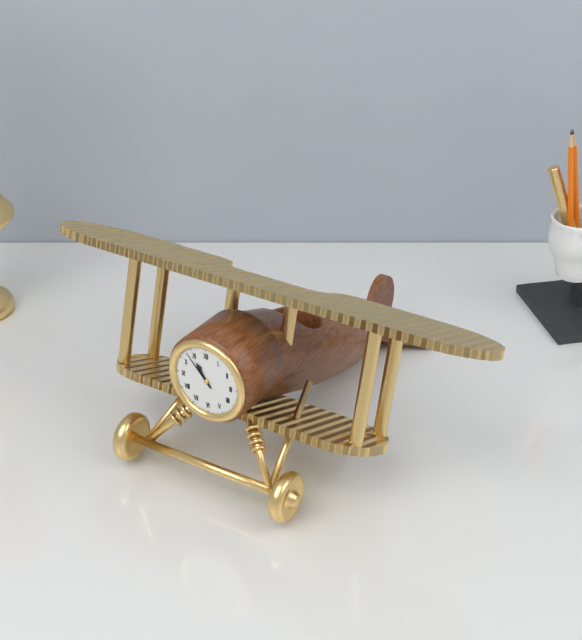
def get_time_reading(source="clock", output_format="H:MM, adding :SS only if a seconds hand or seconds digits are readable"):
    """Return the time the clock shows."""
10:53
